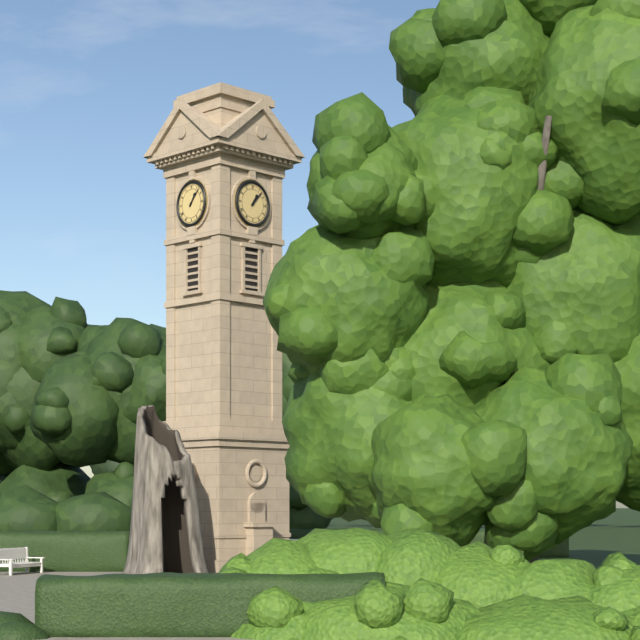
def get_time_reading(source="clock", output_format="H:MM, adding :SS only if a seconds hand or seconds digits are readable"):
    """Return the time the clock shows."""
1:07
